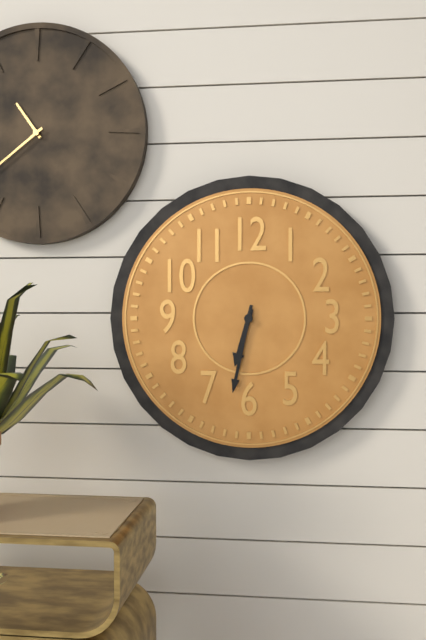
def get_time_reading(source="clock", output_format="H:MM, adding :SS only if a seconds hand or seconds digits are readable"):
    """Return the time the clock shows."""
6:32
